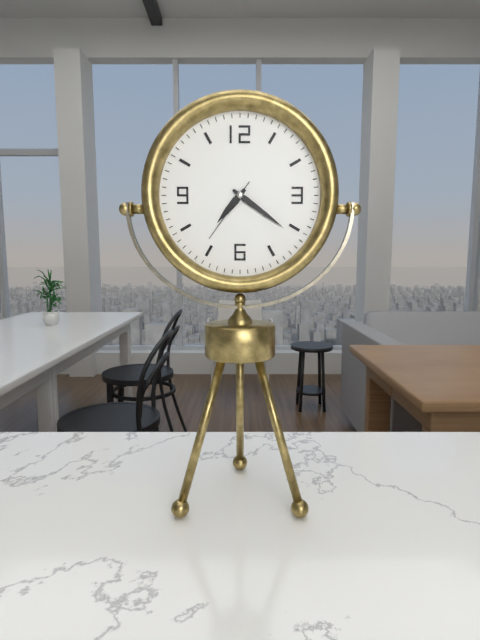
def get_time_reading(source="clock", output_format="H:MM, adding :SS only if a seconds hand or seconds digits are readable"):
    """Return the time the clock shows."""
7:21:36
